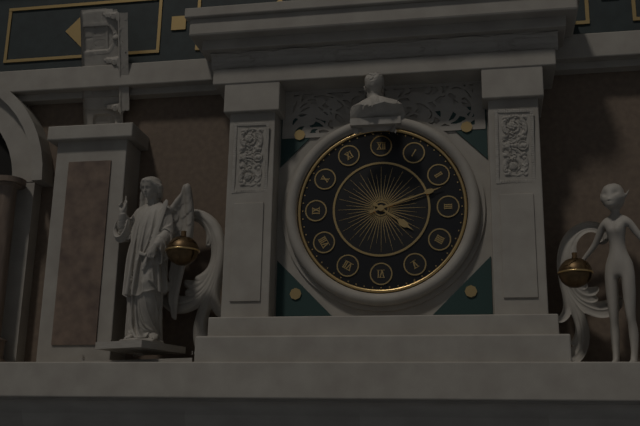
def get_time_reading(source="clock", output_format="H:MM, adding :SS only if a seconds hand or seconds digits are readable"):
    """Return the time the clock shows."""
4:12
